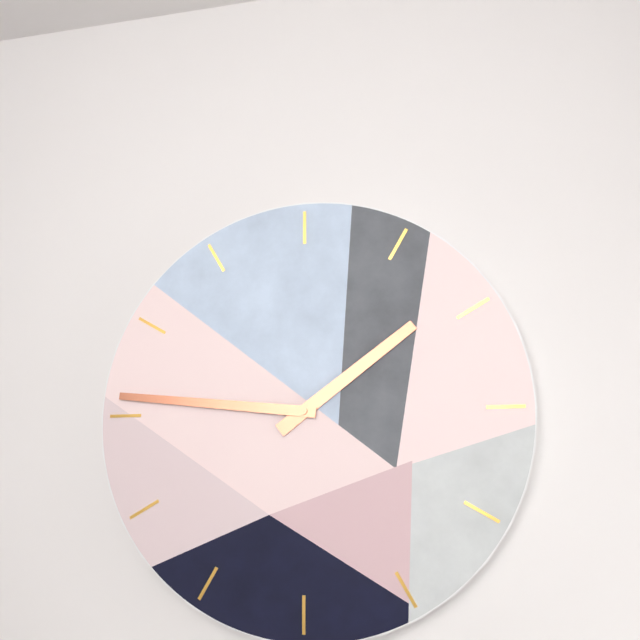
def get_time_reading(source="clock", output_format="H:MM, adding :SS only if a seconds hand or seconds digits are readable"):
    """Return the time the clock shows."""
1:46
